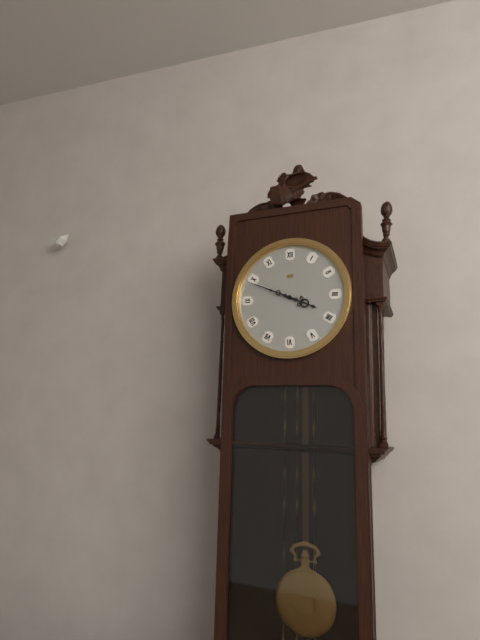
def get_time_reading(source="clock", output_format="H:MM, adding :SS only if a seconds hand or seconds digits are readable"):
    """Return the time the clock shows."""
3:49
